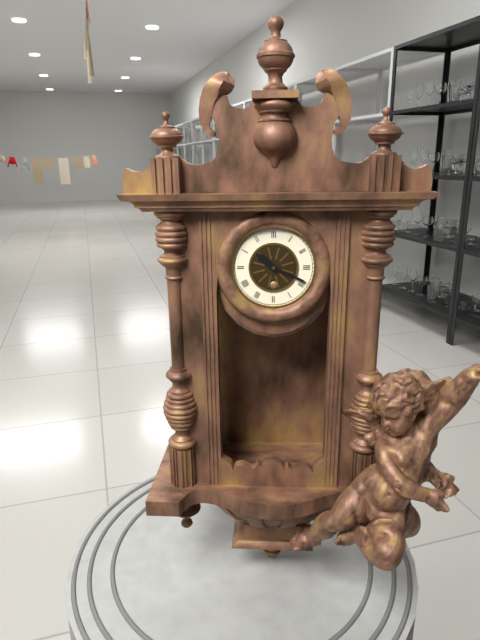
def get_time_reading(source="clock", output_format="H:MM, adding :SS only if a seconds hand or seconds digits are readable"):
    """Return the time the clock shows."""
10:19
